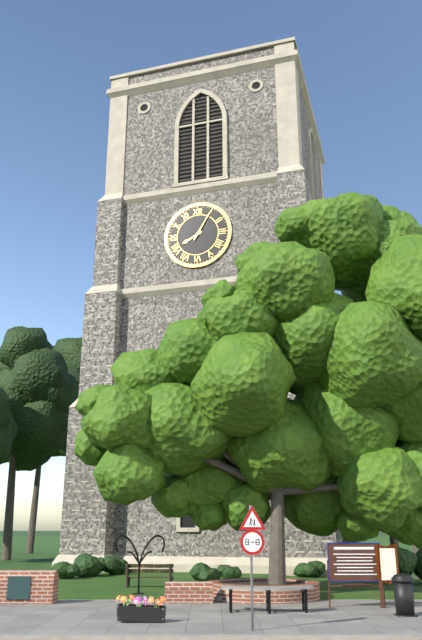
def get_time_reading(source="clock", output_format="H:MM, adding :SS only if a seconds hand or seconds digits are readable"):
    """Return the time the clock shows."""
8:05
